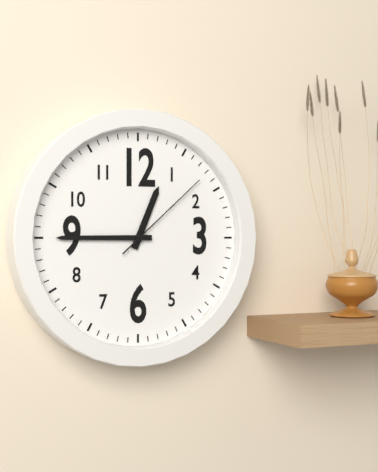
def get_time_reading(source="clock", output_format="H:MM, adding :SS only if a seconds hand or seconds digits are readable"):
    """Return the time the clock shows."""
12:45:08
